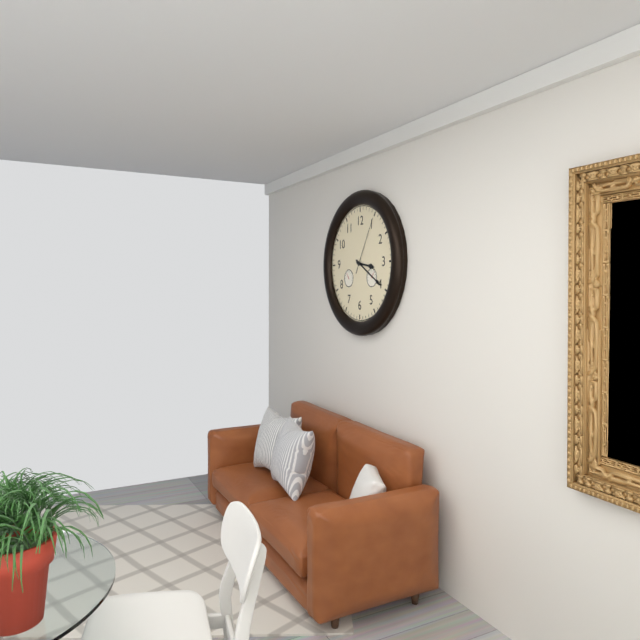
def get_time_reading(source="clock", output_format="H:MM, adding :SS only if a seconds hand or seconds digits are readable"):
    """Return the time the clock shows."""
3:20:05
